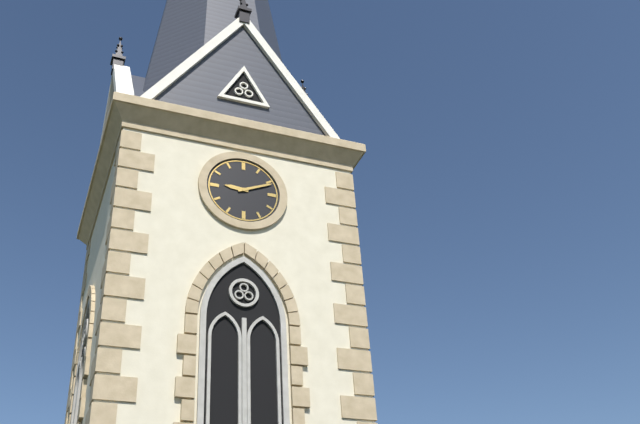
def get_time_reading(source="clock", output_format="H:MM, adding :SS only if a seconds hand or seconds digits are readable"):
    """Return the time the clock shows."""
9:11
